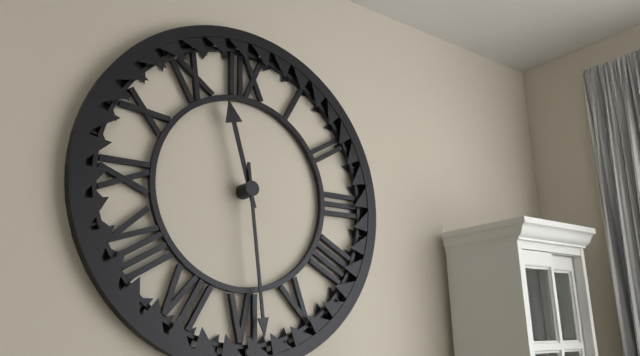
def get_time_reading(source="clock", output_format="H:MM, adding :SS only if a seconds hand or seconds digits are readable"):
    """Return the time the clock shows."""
11:29
